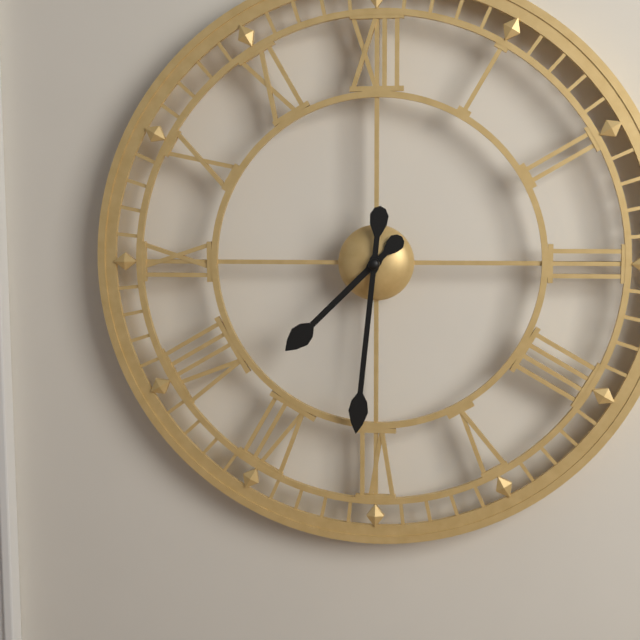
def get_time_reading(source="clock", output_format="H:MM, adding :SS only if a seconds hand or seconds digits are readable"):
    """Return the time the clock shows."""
7:31
